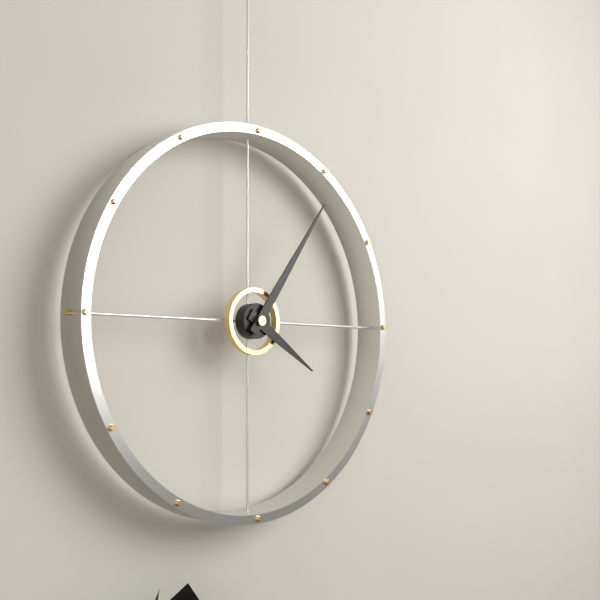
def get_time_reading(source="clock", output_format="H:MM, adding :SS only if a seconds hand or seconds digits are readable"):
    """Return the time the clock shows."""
4:06
